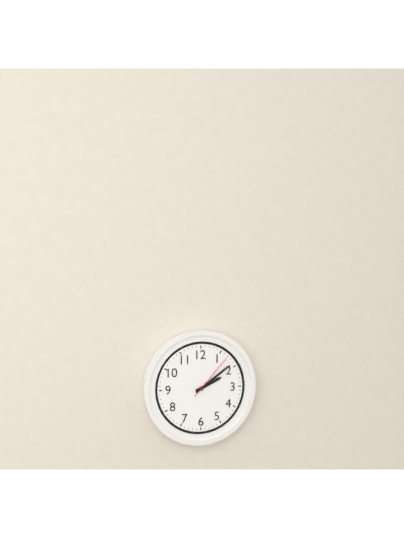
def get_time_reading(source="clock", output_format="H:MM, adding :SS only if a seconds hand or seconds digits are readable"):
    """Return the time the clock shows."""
2:09:07
